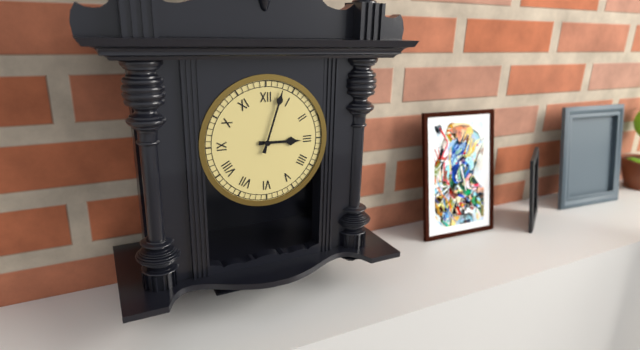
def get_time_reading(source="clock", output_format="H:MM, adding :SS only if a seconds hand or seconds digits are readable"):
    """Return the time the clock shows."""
3:03
